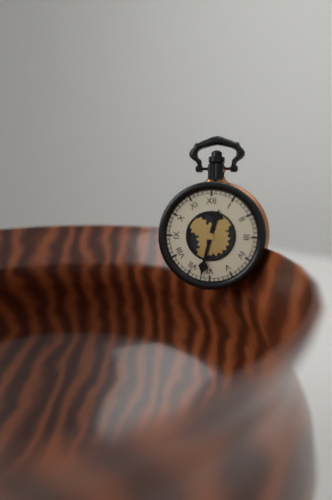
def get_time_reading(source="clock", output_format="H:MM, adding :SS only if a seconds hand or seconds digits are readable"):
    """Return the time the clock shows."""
12:32
